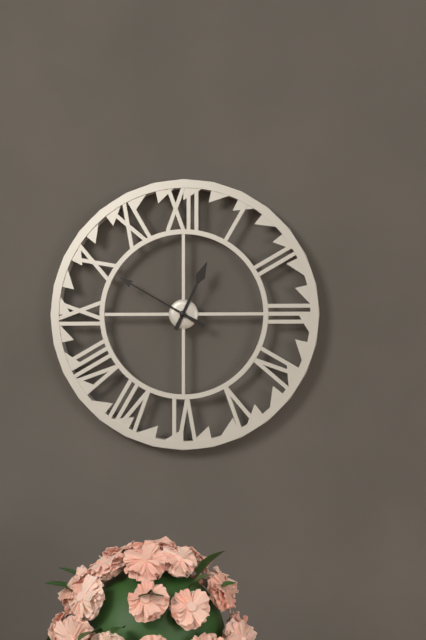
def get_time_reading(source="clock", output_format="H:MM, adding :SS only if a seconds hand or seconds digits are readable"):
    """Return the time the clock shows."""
12:50
